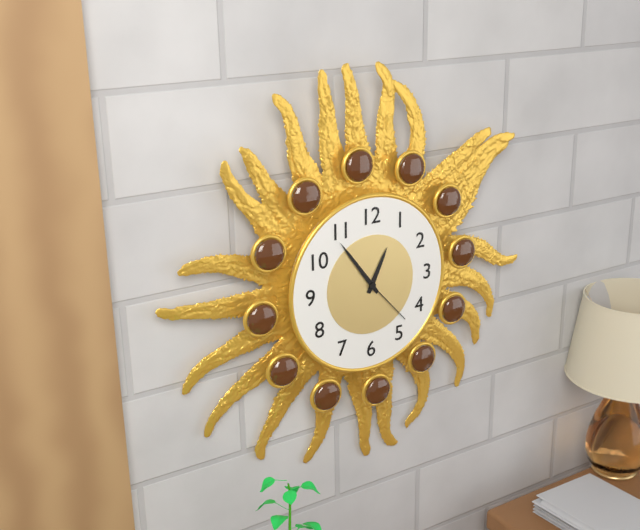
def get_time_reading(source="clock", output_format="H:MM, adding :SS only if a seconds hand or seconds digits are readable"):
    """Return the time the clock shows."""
12:54:23
